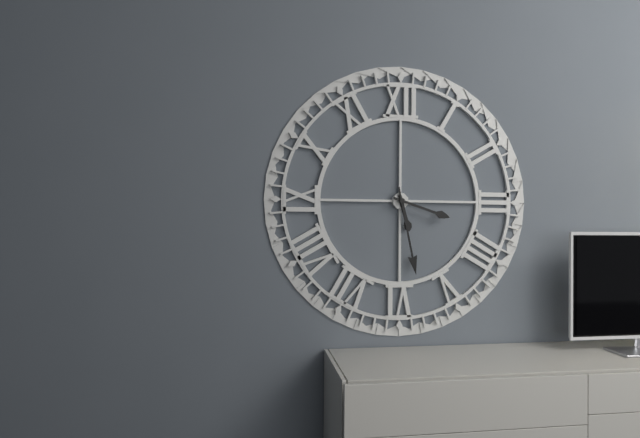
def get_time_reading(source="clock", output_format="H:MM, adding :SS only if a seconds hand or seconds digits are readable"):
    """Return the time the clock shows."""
5:28:18
